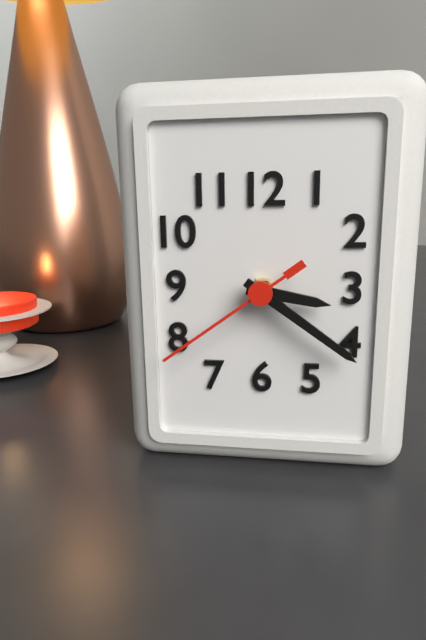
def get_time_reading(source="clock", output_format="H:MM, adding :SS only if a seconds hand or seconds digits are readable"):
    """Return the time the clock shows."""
3:21:39
